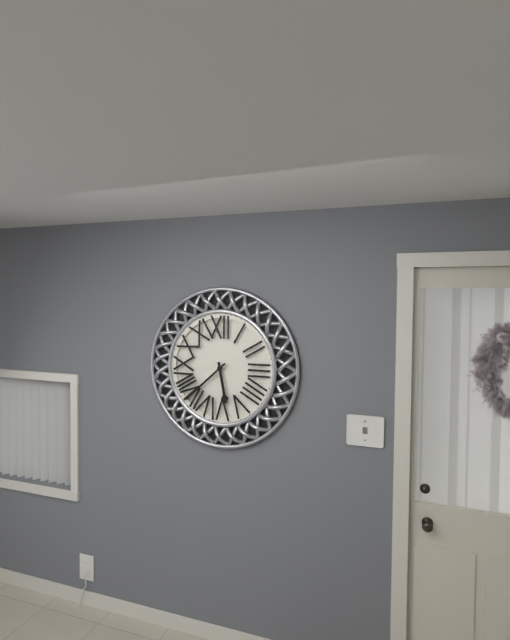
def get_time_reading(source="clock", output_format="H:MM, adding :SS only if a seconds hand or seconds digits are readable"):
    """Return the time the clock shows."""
5:38
